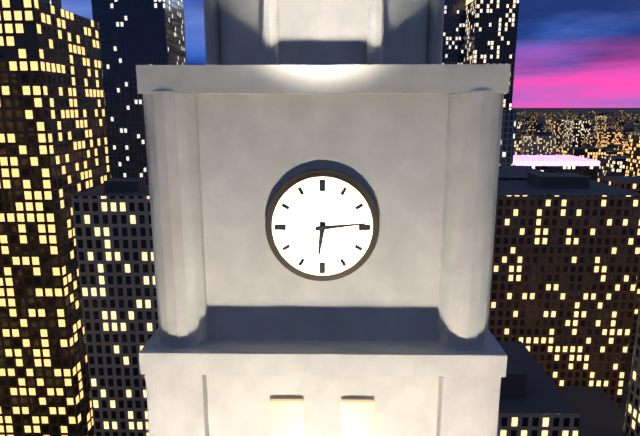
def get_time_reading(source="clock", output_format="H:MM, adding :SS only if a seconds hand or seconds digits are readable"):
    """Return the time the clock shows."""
6:14
